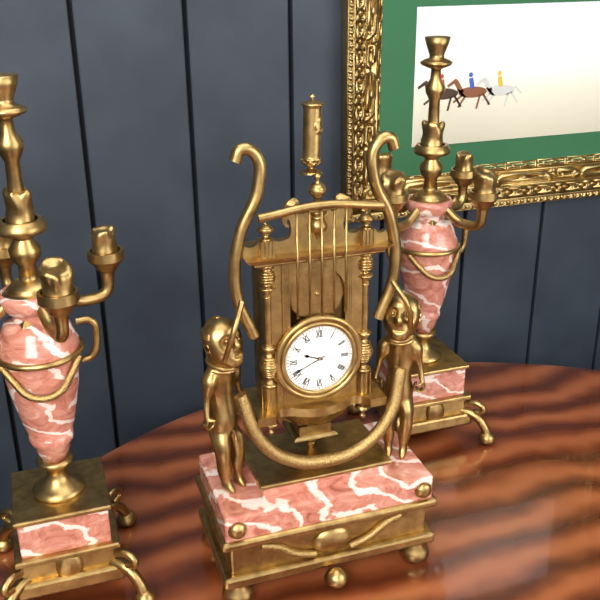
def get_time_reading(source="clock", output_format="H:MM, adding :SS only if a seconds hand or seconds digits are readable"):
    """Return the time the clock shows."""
9:41
